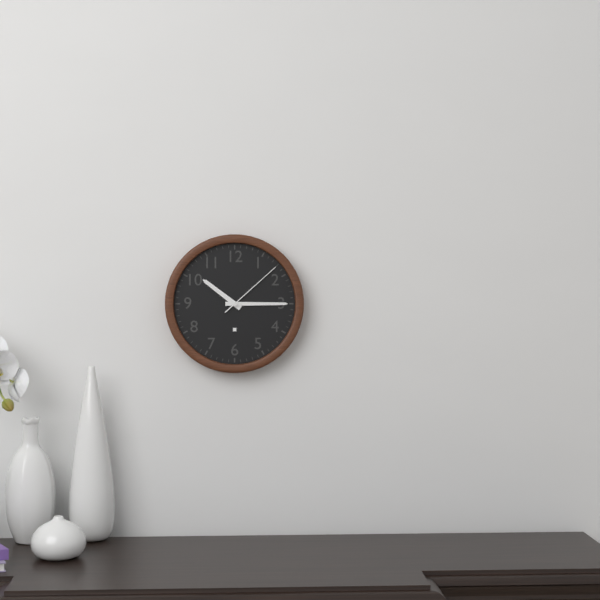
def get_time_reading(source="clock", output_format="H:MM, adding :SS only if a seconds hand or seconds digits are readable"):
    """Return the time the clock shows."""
10:15:08
